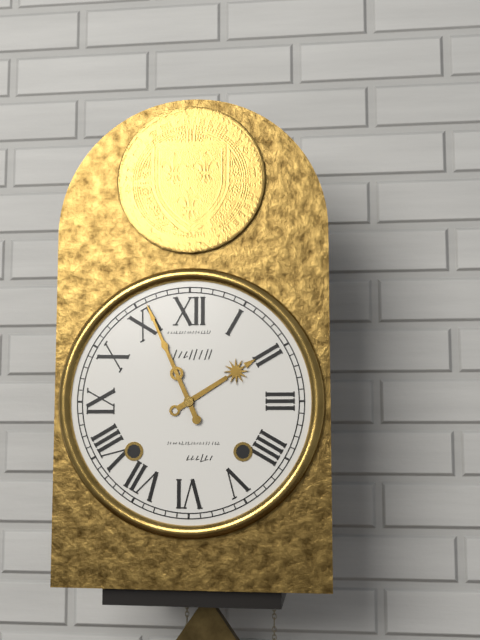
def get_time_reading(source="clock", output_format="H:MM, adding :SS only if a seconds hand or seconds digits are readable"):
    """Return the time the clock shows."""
1:56
